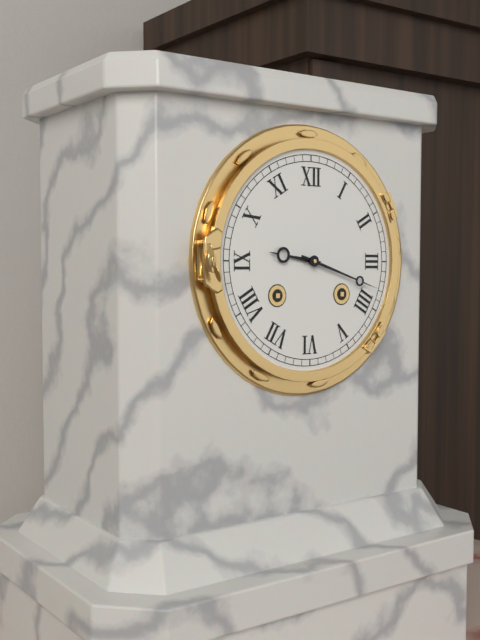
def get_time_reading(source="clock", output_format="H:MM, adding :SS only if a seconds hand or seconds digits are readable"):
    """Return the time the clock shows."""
9:18
